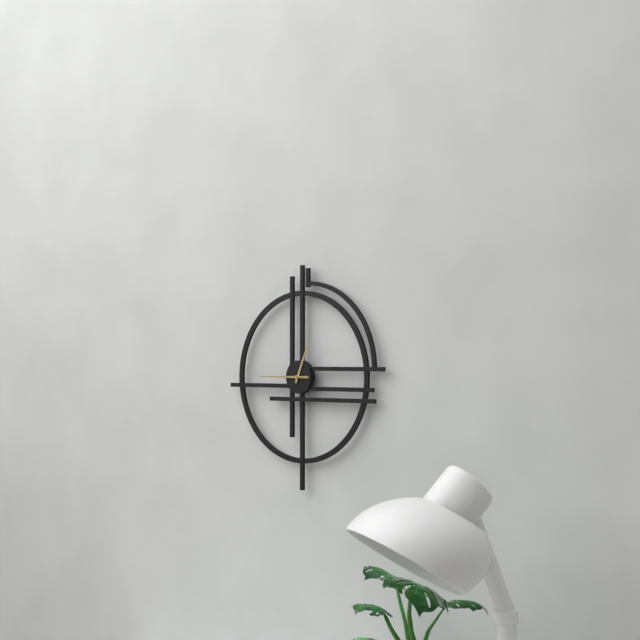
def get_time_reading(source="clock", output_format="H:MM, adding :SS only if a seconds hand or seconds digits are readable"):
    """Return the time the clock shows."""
12:45
